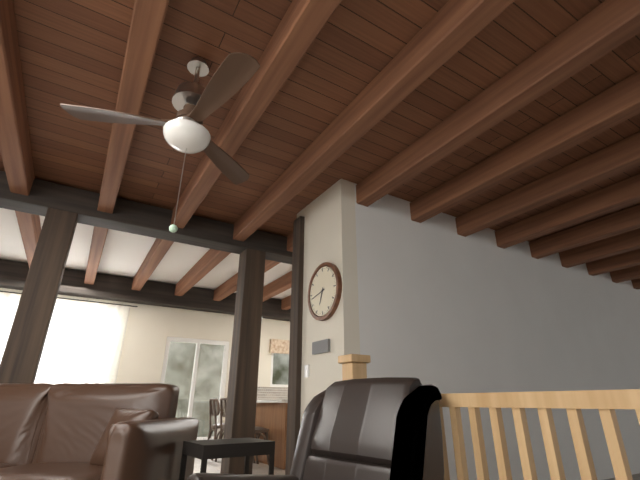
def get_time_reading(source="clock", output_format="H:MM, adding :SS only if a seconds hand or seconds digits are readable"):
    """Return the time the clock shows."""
6:43
